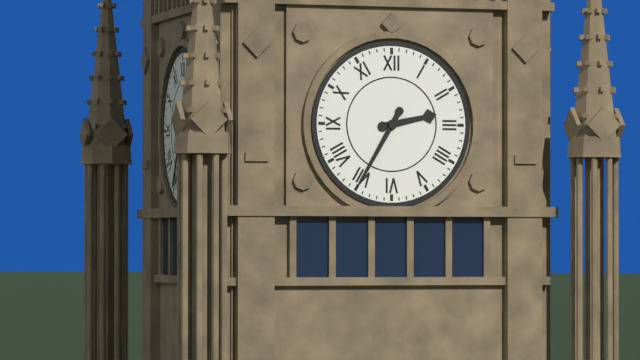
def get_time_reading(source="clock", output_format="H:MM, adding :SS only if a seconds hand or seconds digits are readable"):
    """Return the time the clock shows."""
2:35
